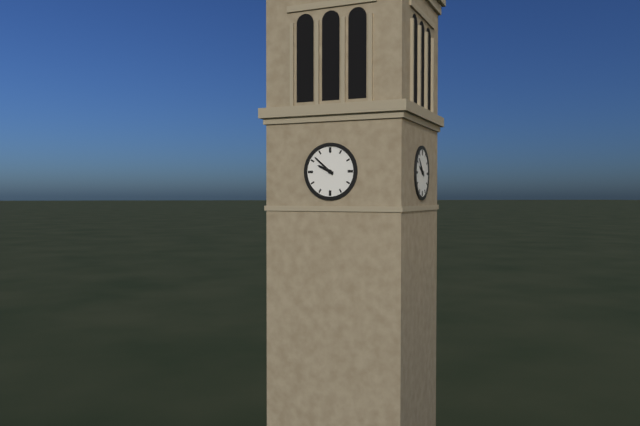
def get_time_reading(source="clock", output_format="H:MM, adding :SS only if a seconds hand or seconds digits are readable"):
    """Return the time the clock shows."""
9:52
